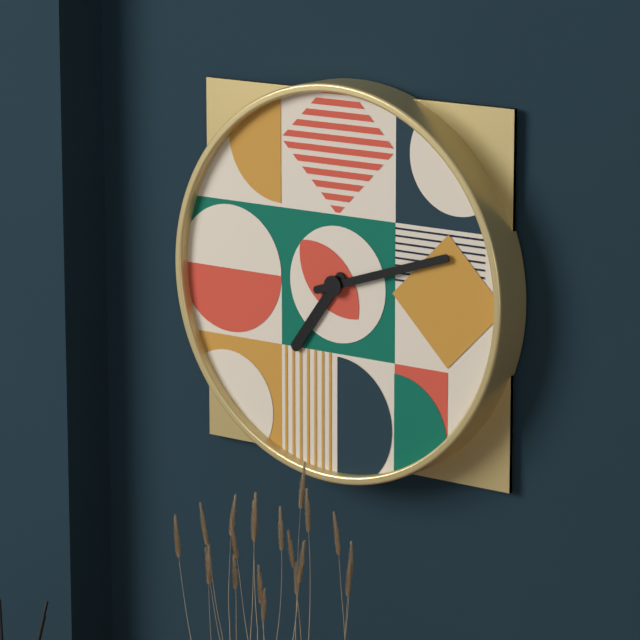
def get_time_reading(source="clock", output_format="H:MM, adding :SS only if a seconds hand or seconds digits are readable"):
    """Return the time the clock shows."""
7:12
